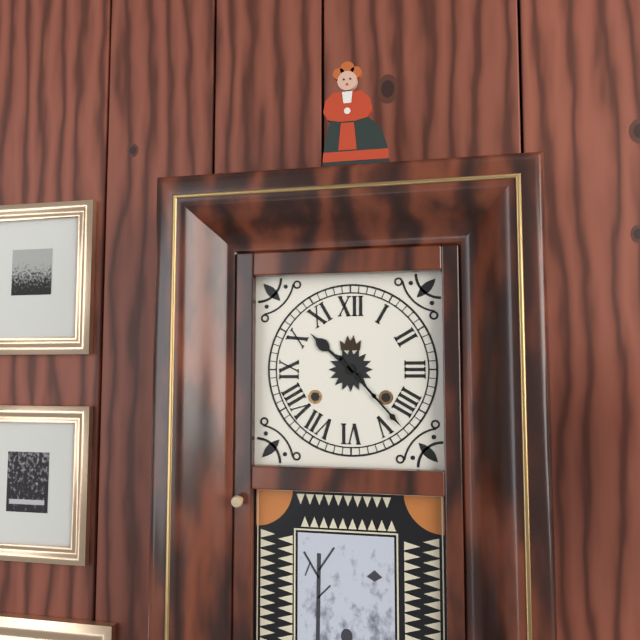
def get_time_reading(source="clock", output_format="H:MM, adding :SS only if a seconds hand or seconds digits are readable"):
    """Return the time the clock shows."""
10:23
